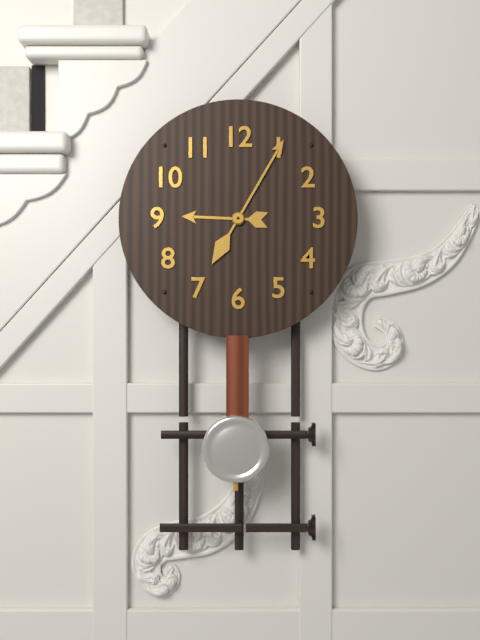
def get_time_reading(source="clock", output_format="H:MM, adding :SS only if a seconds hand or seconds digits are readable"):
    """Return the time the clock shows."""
9:05
